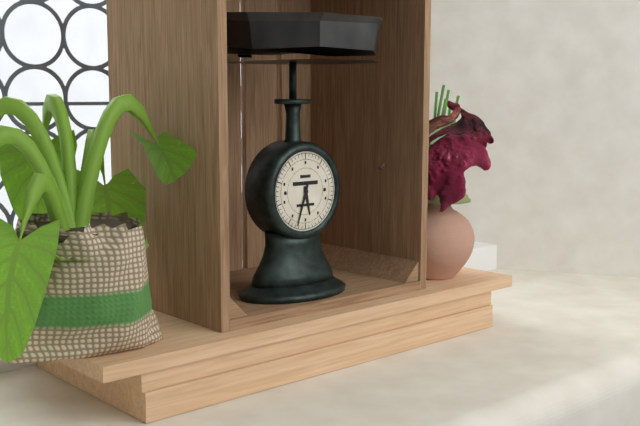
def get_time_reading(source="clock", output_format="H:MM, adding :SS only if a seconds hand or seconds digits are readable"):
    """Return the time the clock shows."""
5:33
